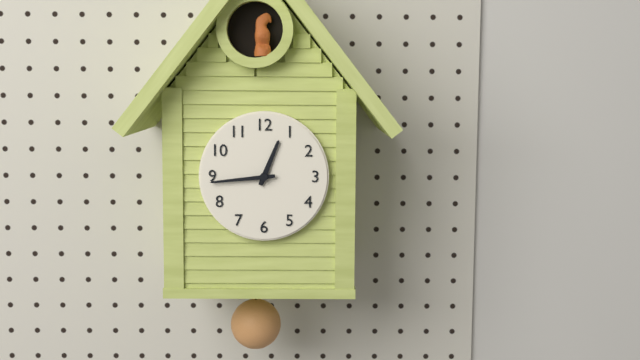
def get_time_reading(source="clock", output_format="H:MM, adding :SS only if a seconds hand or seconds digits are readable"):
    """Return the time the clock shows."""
12:44
